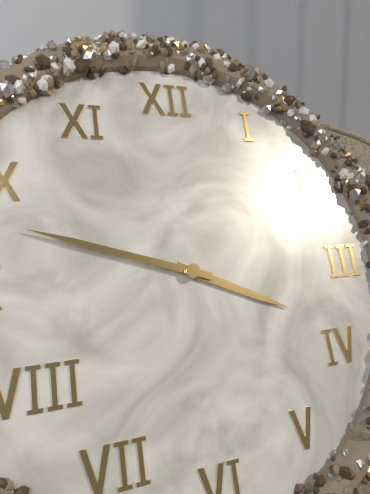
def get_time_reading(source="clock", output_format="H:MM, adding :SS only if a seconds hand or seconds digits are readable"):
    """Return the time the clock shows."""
3:48
